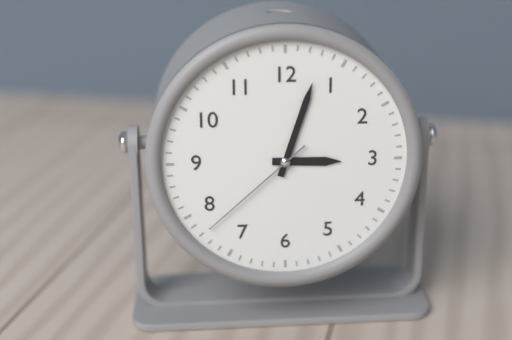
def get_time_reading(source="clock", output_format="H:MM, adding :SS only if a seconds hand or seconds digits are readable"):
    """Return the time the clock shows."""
3:03:38
